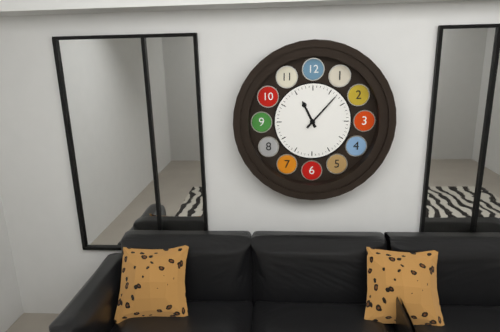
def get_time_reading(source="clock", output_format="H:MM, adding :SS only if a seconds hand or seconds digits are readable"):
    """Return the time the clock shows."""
11:07
